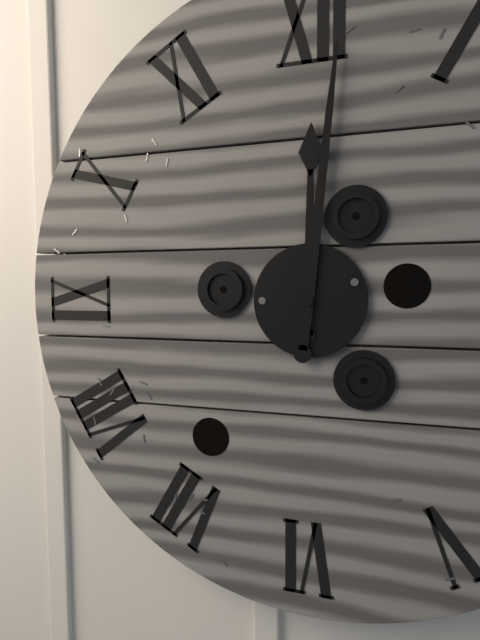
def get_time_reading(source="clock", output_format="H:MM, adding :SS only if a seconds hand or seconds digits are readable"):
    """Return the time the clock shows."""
12:01
